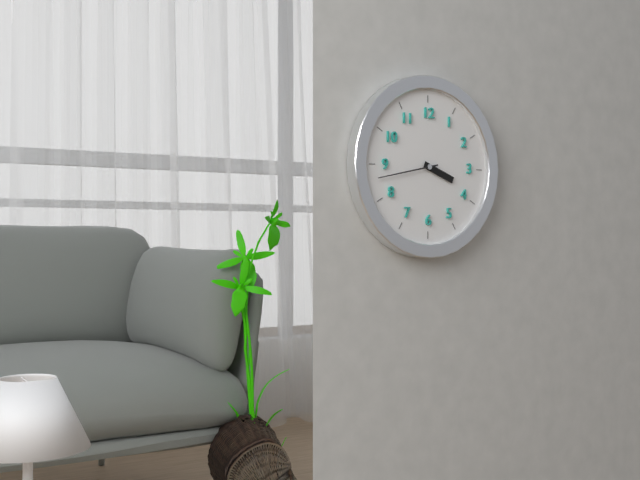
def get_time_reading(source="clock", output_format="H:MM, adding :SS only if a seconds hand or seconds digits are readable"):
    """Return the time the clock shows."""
3:43
